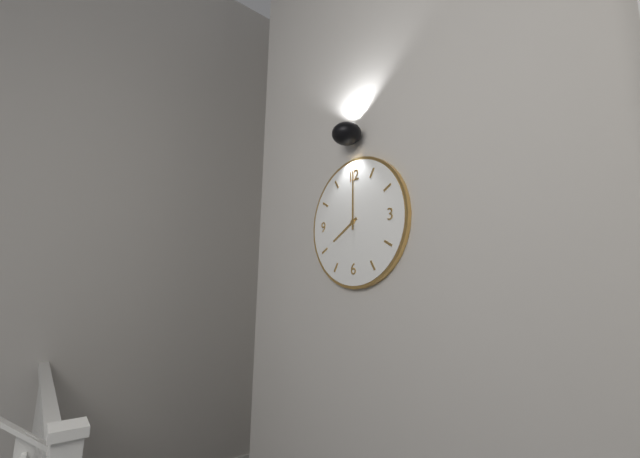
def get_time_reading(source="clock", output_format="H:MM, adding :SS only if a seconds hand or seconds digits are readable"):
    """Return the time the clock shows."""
8:00
